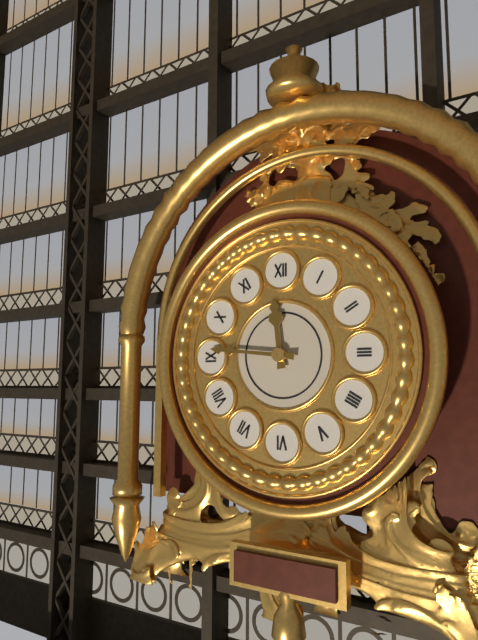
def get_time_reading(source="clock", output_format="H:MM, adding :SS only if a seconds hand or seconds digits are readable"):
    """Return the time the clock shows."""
11:46
